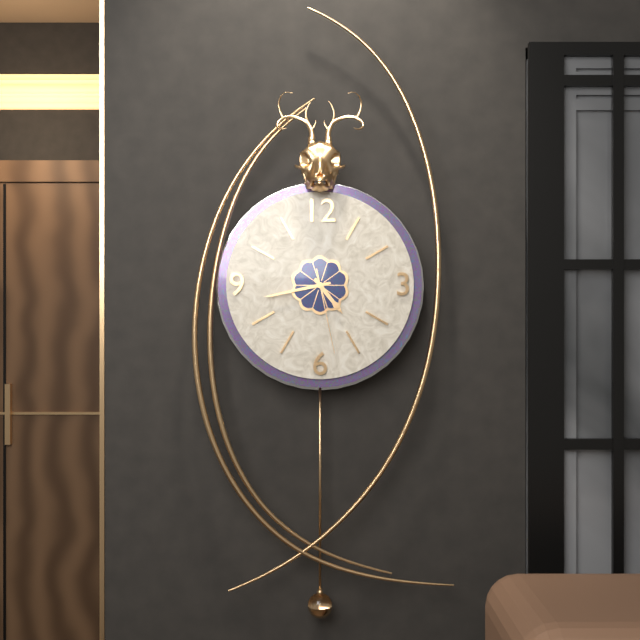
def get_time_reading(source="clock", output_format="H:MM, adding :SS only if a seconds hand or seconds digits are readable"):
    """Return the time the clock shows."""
4:43:28
